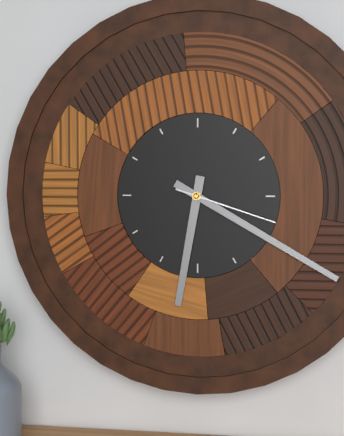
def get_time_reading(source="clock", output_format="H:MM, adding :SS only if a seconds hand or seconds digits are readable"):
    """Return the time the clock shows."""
6:20:18
